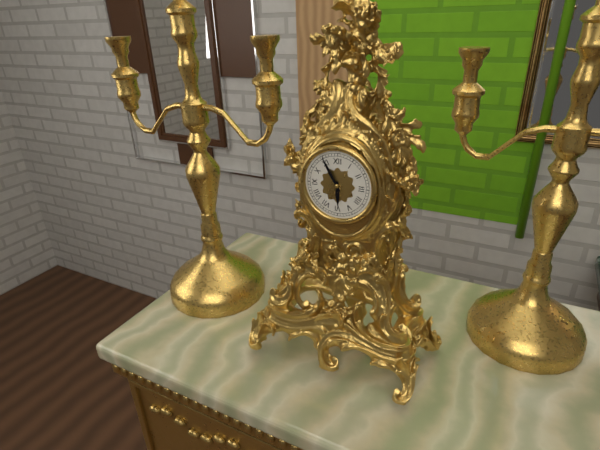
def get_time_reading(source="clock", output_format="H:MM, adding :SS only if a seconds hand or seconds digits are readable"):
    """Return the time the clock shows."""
5:55
